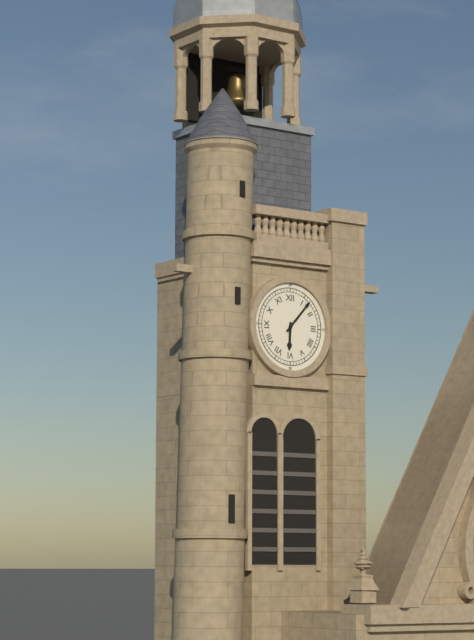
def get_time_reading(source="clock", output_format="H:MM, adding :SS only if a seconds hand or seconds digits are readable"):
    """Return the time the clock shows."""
6:07
